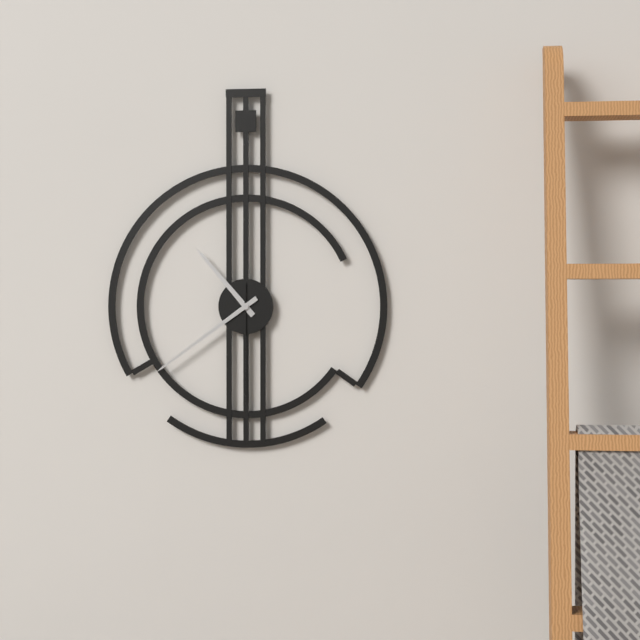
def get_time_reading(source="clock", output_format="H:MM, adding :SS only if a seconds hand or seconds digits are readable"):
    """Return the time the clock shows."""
10:39:30
